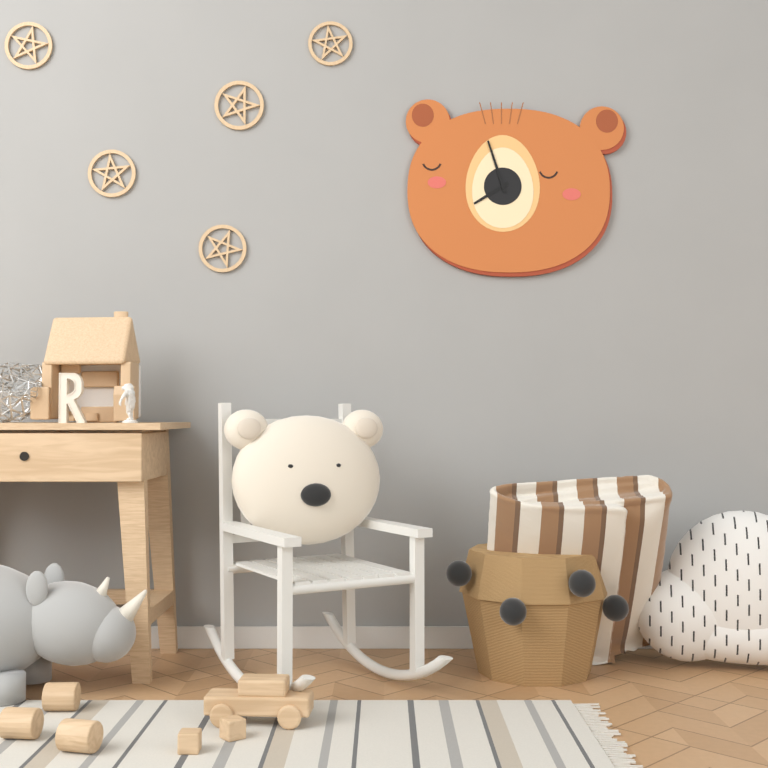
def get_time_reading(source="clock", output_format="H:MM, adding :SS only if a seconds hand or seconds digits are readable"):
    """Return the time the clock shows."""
7:57
